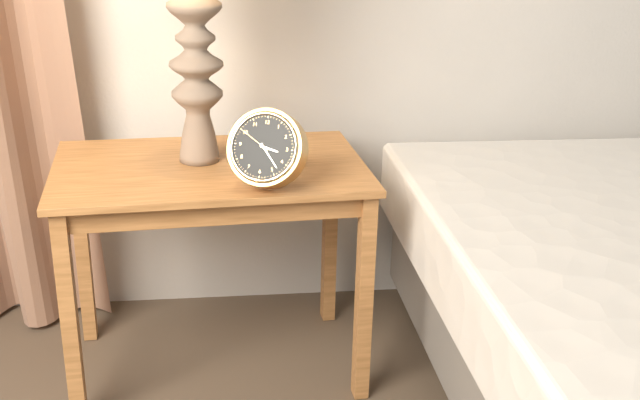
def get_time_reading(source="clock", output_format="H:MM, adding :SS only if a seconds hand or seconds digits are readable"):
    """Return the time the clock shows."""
3:23
